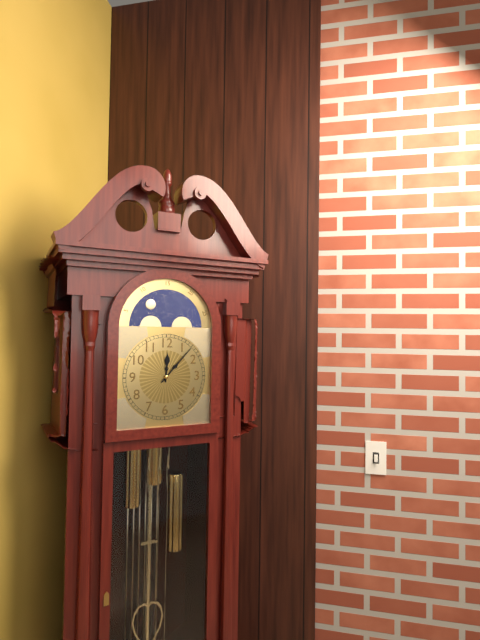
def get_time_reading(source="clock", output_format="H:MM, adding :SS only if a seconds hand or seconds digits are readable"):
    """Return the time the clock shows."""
12:07
